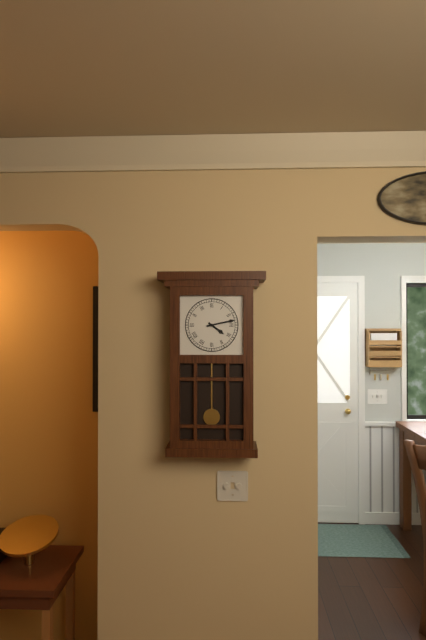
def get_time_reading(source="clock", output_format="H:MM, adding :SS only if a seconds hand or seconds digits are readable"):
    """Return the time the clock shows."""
4:13
